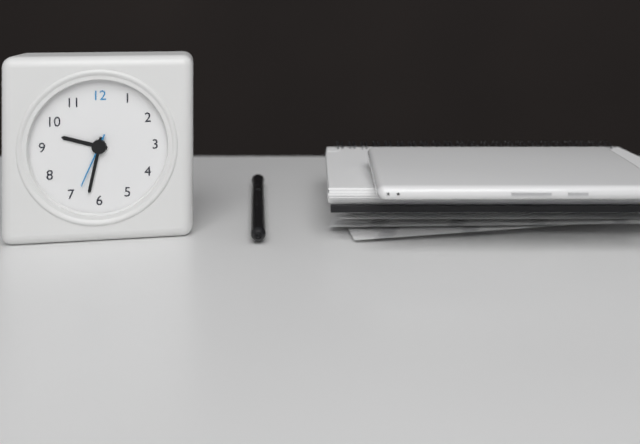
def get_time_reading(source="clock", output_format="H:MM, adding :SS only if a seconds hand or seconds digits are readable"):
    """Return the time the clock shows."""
9:32:34
